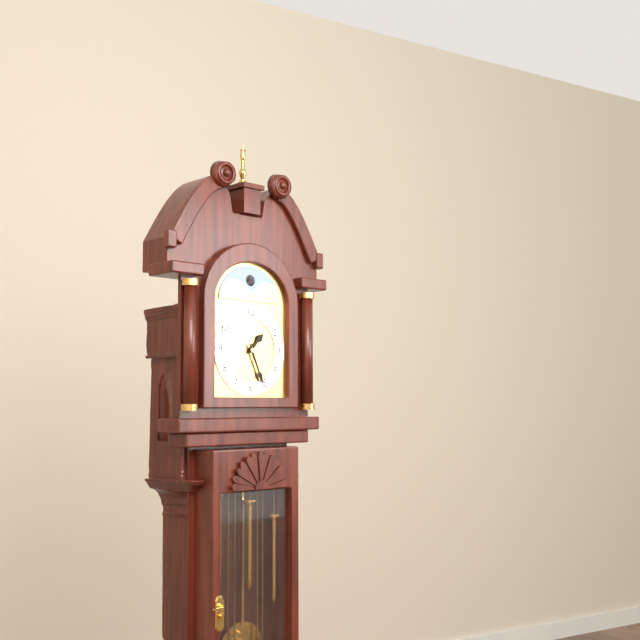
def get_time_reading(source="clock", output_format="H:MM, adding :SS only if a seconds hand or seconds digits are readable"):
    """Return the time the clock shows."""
1:26
